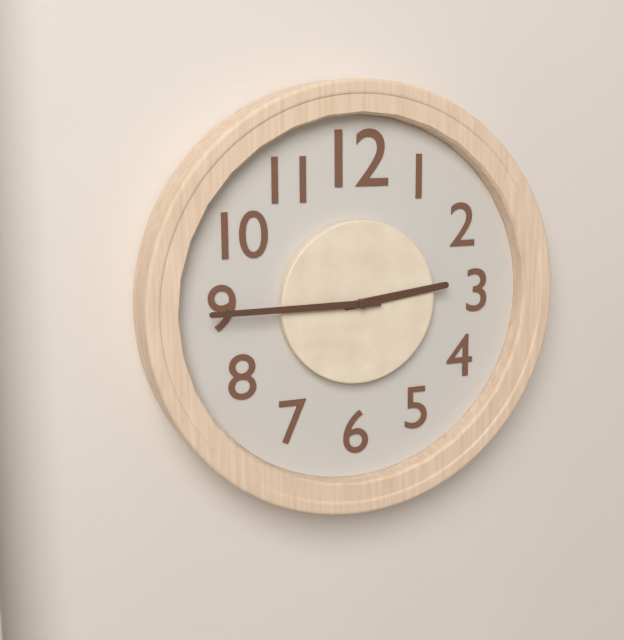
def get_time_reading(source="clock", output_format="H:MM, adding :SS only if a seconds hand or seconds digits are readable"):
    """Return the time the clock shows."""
2:45
